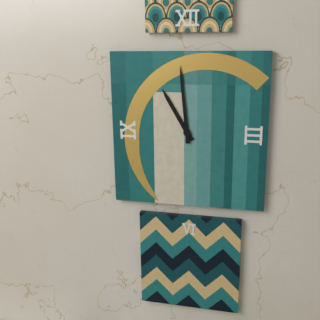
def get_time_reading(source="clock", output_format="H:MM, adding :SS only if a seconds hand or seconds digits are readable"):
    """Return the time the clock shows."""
10:59
